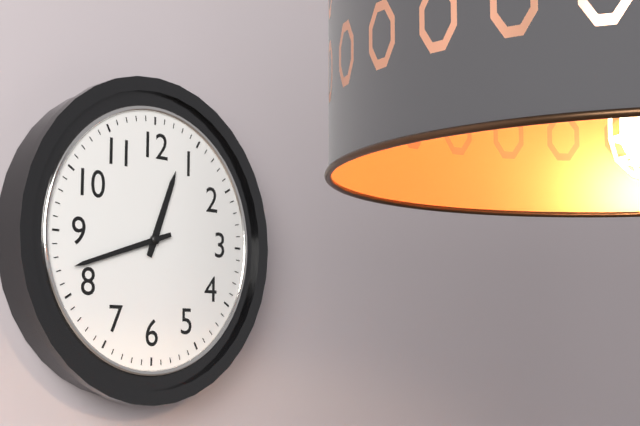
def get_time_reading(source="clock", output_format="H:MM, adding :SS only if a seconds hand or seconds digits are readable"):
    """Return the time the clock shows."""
12:42
